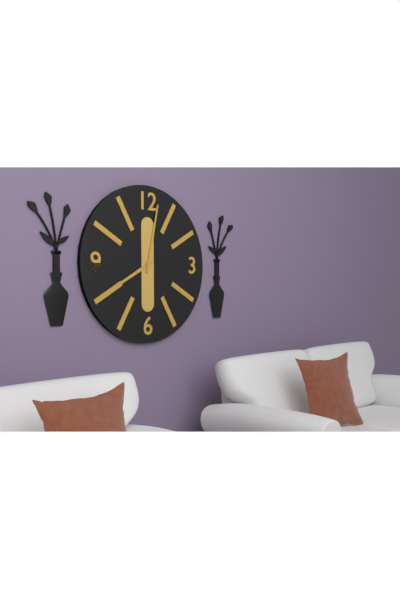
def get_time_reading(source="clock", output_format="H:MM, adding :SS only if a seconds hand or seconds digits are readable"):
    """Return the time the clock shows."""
8:02
